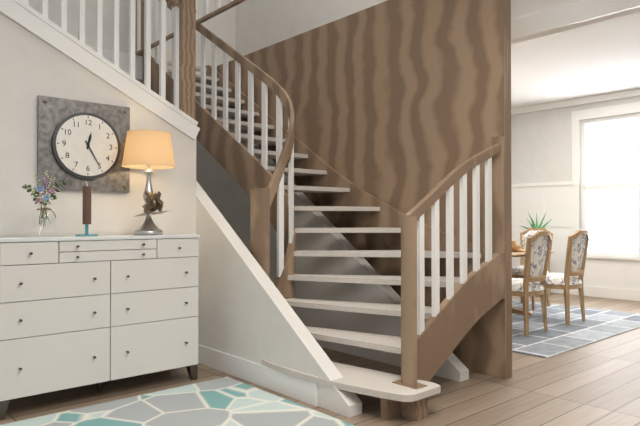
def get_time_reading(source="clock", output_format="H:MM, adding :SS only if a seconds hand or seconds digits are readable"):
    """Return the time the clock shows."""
12:25
